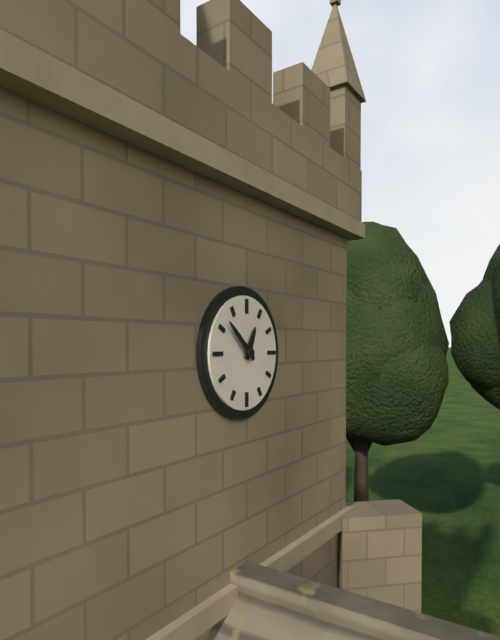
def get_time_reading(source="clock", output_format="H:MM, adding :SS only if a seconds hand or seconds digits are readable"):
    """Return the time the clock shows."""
12:52
